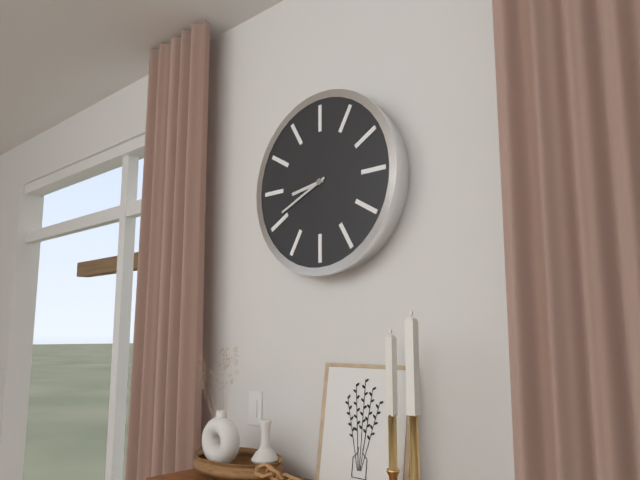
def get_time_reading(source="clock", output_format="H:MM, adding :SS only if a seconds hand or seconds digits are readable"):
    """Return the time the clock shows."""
8:41
